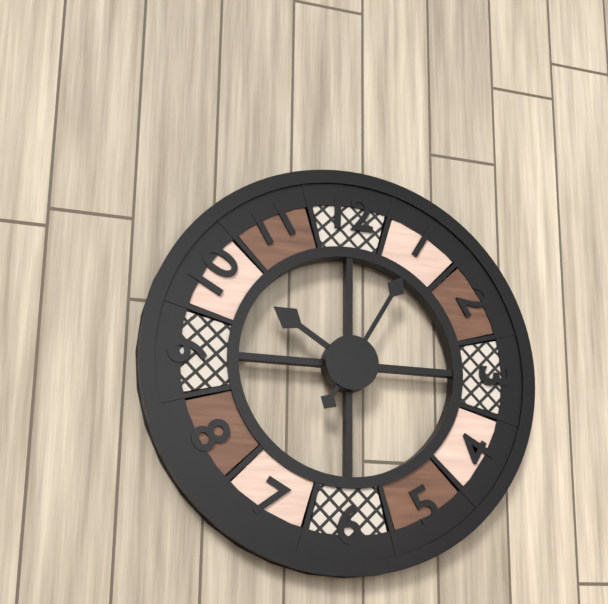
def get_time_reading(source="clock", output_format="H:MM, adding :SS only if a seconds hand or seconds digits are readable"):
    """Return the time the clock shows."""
10:05
